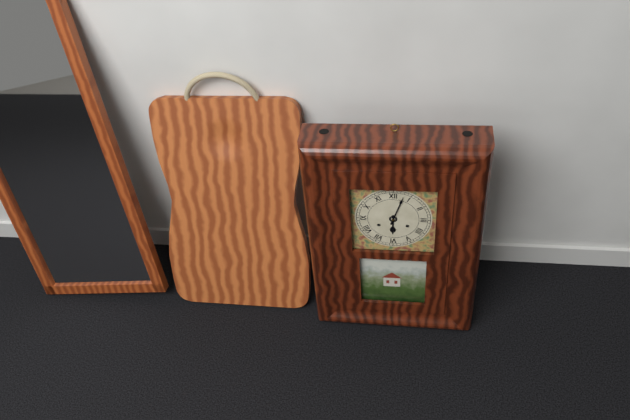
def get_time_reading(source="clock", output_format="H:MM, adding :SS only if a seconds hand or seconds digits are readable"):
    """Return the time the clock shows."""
6:03
